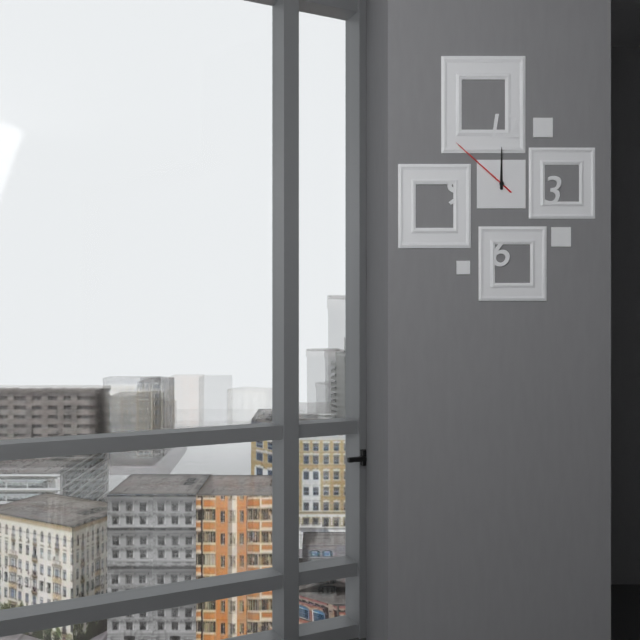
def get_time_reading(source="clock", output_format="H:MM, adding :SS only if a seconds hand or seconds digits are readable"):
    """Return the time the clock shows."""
12:00:52
